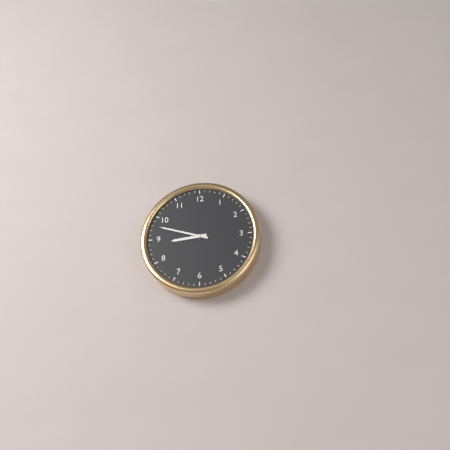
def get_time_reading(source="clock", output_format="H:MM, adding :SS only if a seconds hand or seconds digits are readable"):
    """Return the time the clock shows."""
8:48
